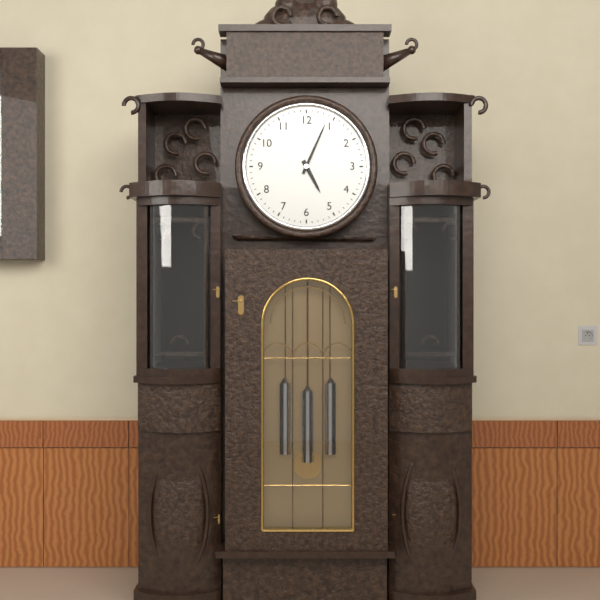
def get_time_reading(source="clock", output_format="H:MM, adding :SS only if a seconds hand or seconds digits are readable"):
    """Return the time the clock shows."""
5:04
